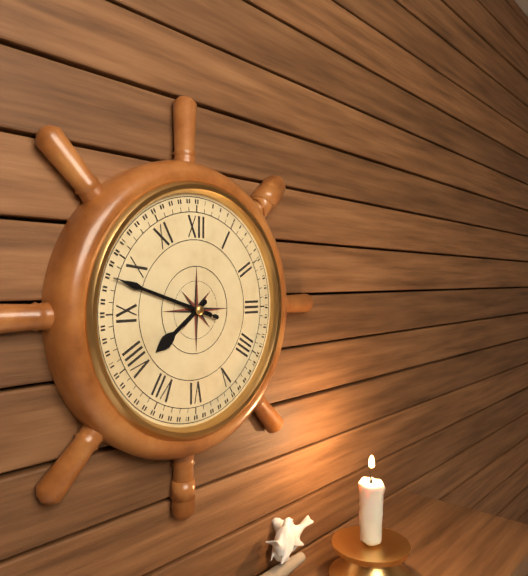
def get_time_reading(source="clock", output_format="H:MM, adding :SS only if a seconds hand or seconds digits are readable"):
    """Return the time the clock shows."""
7:48:48
